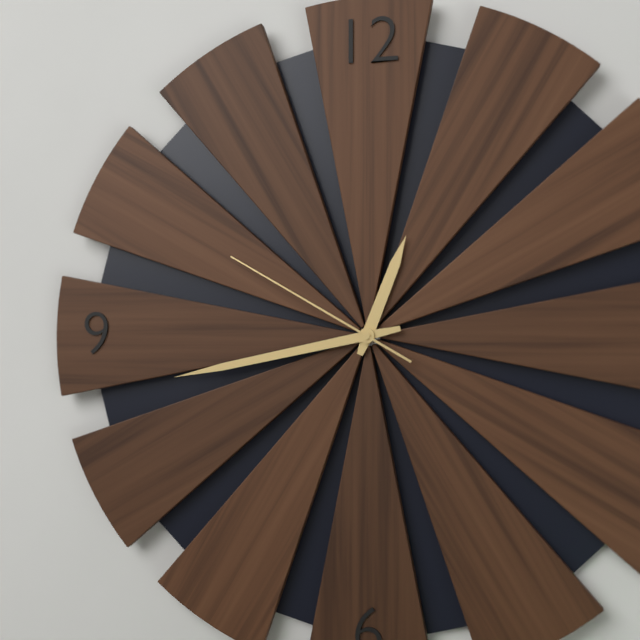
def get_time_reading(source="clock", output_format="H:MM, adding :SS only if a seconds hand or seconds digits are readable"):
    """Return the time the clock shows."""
12:43:50
